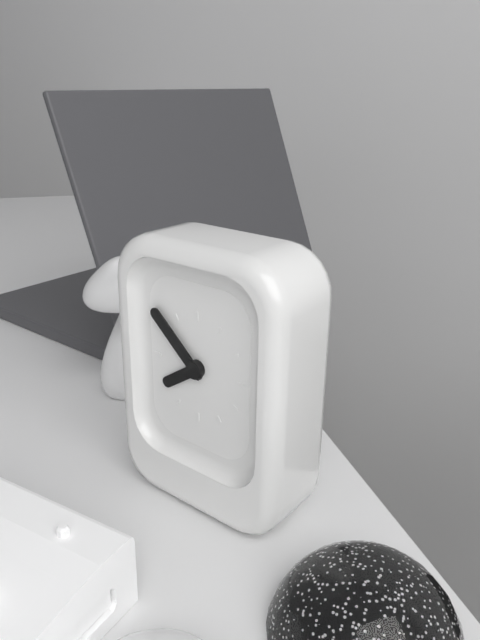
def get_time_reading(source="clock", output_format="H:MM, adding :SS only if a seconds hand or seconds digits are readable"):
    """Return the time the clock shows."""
7:52
